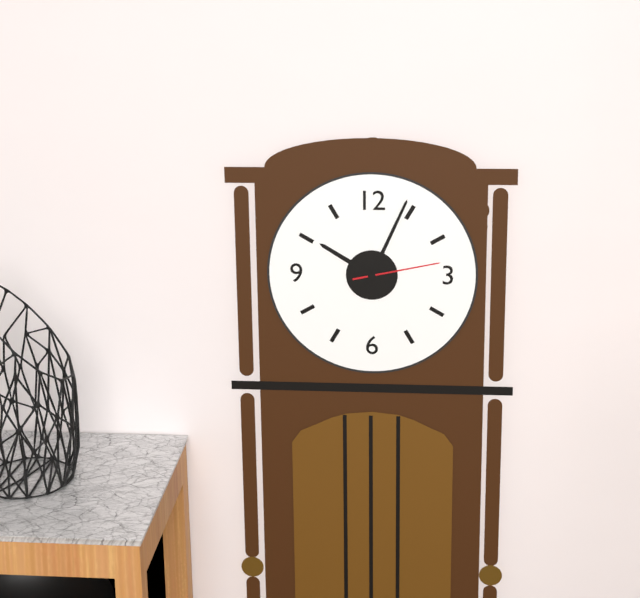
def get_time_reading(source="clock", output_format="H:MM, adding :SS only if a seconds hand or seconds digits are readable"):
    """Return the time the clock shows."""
10:04:13
